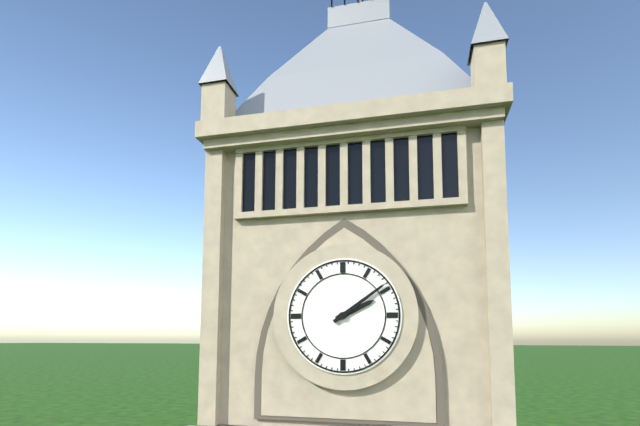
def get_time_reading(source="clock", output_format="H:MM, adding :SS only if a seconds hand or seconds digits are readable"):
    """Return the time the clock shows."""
2:09
